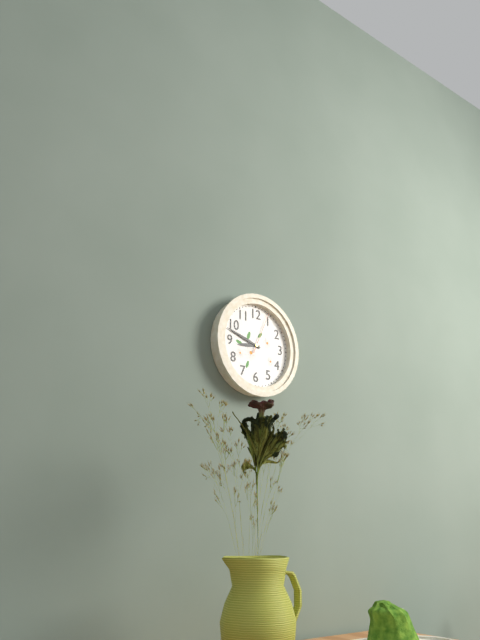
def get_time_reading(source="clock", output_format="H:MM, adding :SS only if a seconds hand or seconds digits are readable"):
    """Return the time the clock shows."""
8:48
